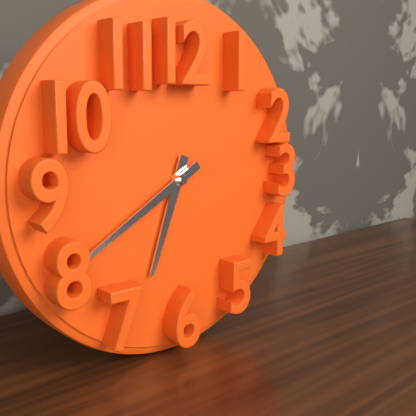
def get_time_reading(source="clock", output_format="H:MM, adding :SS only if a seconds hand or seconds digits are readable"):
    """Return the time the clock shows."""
6:40
